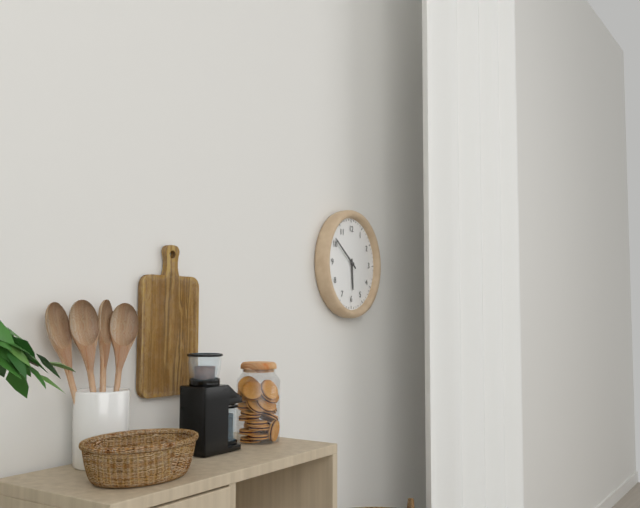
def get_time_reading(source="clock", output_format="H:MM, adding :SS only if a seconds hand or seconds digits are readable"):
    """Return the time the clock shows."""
5:51
